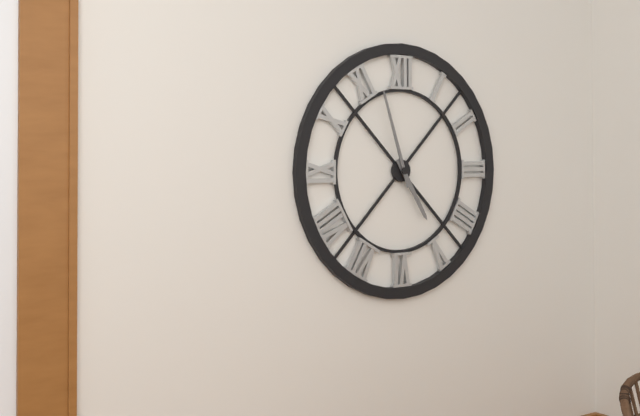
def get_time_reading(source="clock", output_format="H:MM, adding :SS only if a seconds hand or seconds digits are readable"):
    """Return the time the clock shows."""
4:57
